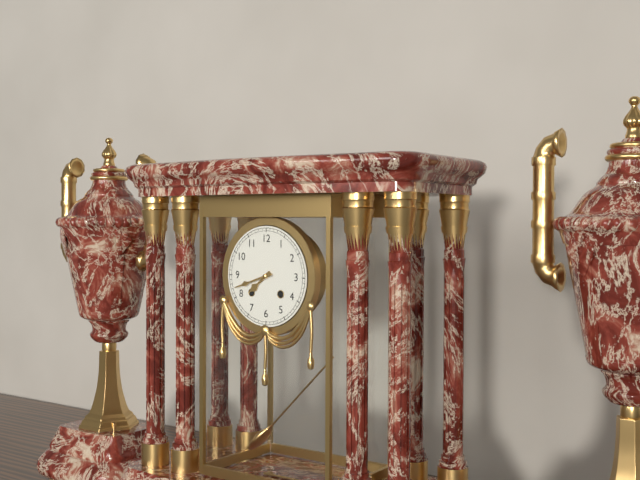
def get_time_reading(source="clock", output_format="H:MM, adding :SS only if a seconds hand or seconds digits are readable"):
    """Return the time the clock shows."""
7:42
